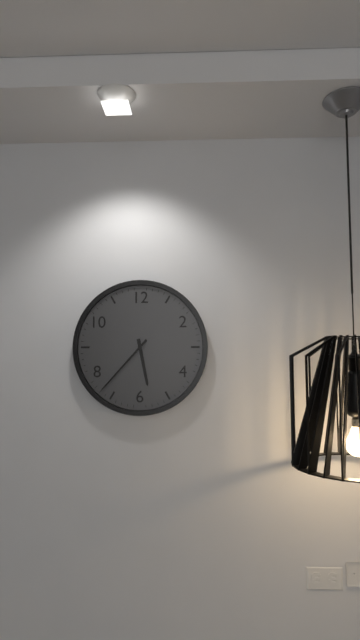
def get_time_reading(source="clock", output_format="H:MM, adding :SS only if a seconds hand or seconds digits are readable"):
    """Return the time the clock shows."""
5:37
